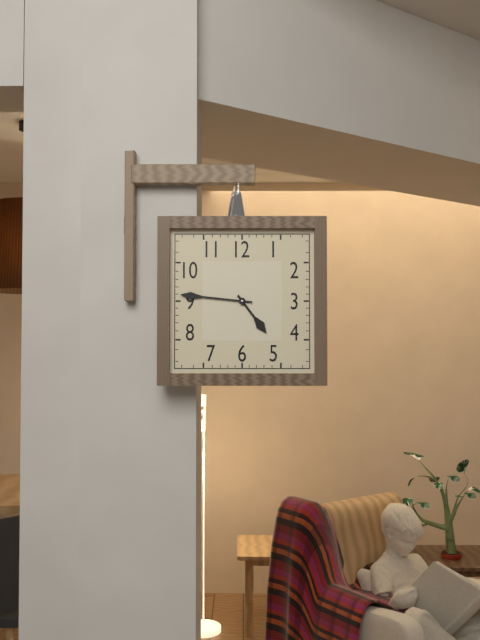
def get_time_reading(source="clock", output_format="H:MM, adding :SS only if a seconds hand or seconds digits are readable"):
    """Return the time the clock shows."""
4:46
